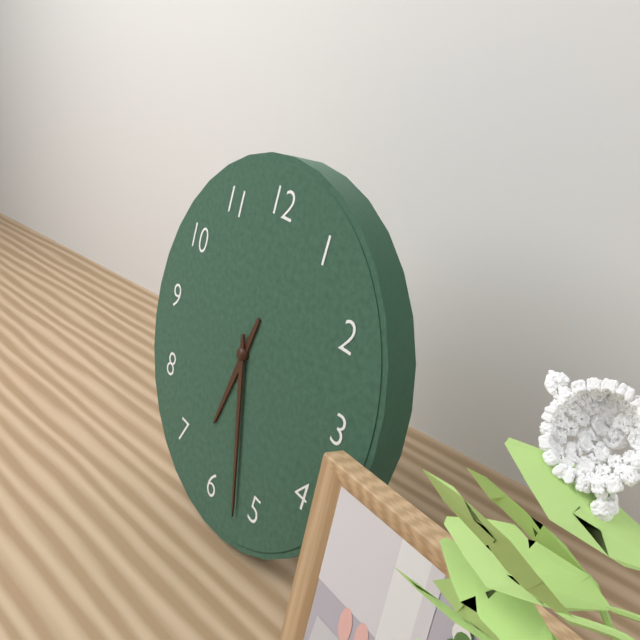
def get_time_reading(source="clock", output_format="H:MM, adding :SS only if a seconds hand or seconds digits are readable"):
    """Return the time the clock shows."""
6:27
